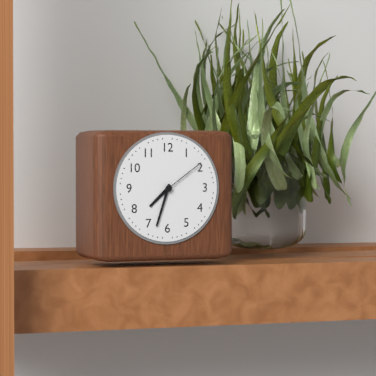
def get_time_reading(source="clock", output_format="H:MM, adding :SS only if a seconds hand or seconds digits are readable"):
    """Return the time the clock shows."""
7:33:09
